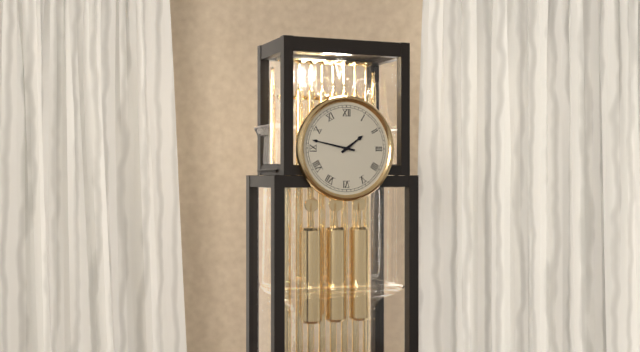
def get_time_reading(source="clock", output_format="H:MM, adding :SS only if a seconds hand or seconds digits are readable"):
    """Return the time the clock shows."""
1:47
